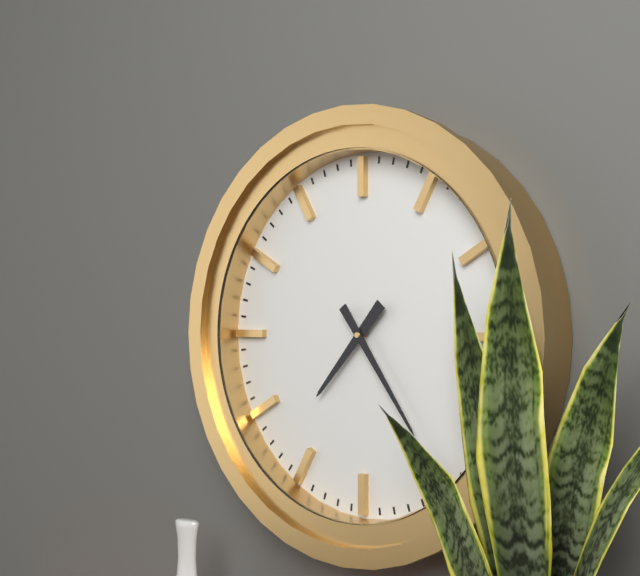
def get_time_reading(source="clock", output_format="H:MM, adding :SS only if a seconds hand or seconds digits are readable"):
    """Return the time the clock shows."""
7:24
